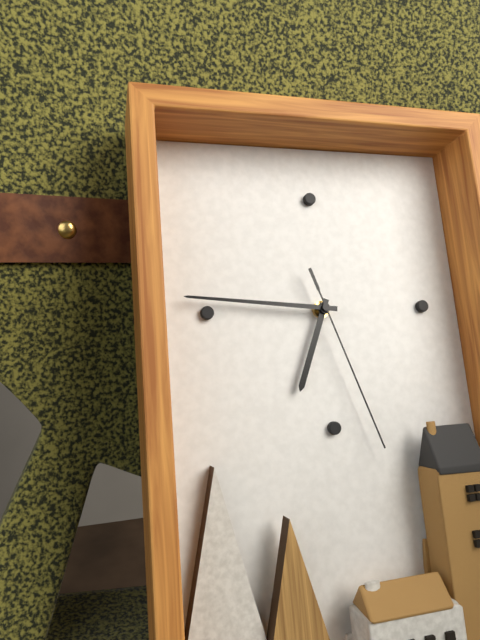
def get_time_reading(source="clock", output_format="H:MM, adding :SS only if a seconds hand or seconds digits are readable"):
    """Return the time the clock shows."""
6:46:27
